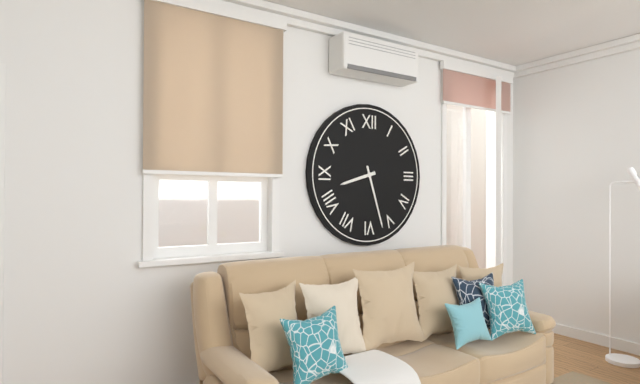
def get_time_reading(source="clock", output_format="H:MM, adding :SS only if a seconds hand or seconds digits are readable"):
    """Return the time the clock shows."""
8:27
